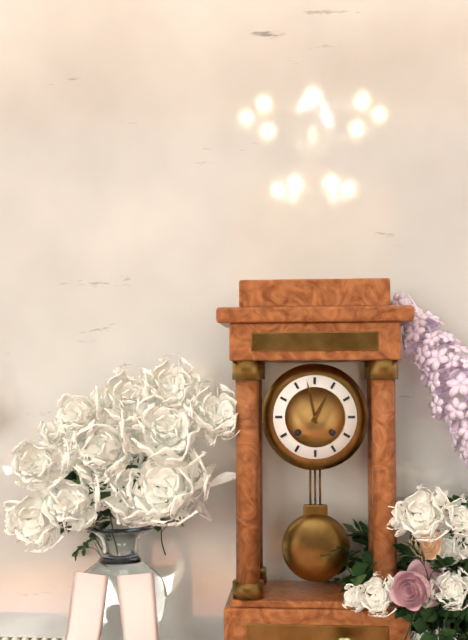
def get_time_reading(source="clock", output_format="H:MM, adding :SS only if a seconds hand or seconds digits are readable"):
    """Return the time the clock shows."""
12:58
